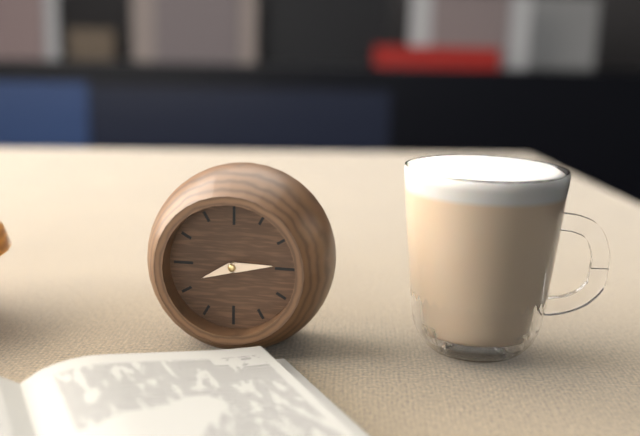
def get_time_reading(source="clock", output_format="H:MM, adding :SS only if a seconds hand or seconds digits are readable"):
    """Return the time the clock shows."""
8:14
